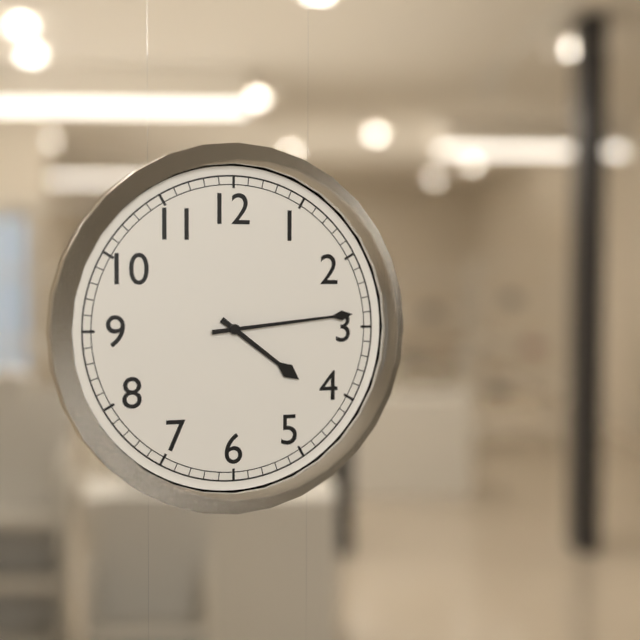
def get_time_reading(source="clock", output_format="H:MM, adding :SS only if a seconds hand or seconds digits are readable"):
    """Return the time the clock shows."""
4:14
